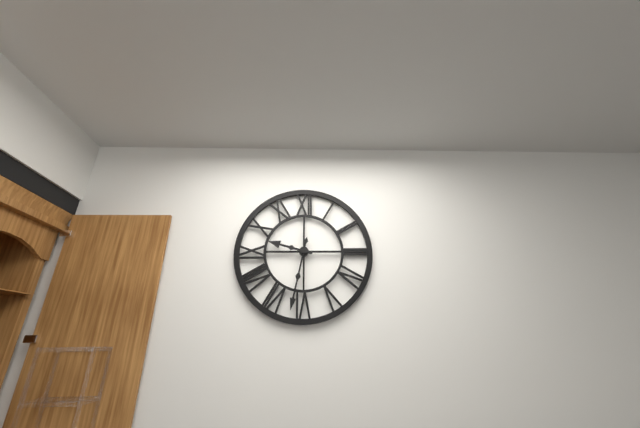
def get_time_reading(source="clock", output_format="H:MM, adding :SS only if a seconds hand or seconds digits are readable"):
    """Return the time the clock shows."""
9:32
